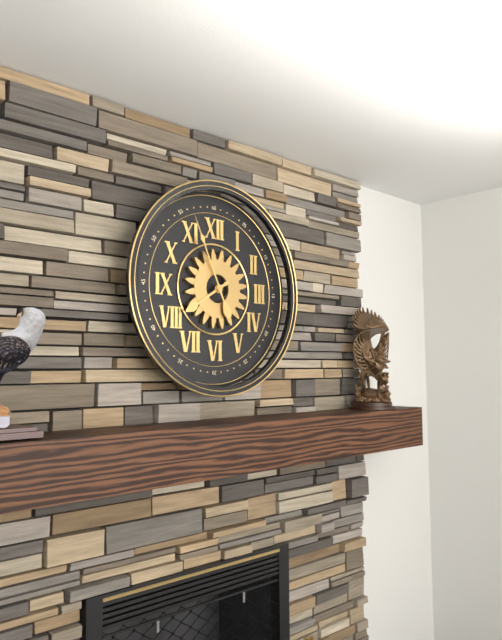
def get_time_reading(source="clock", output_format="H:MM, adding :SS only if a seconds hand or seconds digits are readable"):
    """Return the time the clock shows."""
7:56
